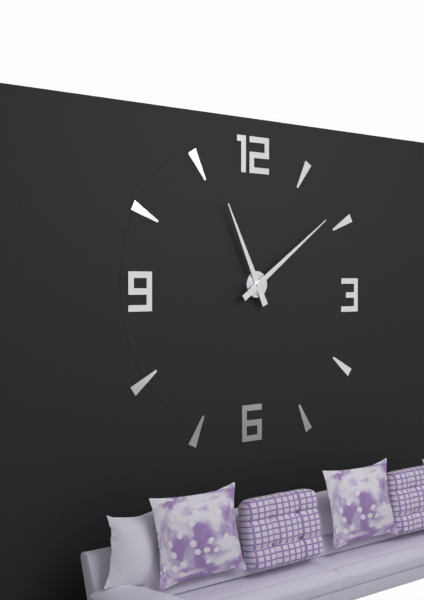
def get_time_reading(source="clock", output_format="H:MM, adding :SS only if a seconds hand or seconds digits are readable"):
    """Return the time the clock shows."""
11:09
